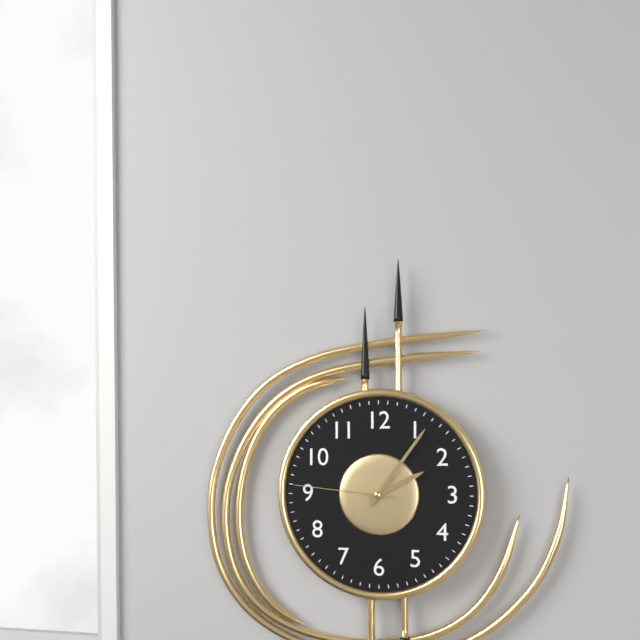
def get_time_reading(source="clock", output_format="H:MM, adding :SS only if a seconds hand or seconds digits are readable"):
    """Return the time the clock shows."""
2:06:46
